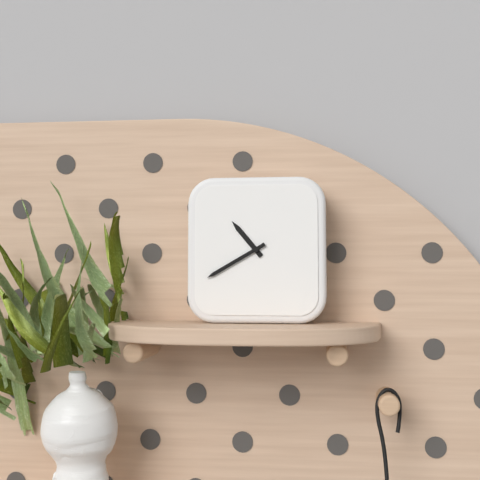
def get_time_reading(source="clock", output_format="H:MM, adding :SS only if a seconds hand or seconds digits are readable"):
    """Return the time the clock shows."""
10:40
